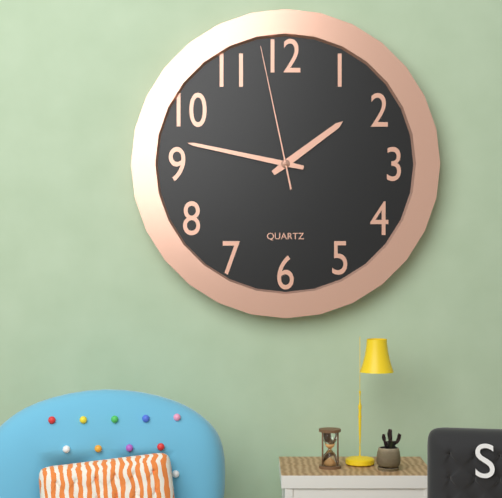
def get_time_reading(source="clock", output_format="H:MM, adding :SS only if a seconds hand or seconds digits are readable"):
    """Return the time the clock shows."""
1:47:58
